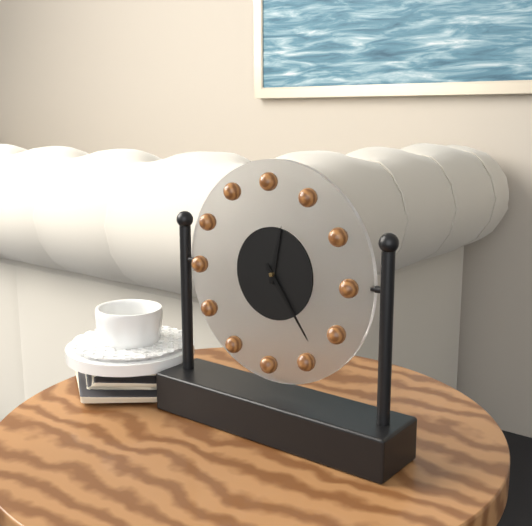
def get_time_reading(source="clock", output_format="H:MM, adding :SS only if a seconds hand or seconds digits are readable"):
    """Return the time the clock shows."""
12:24
